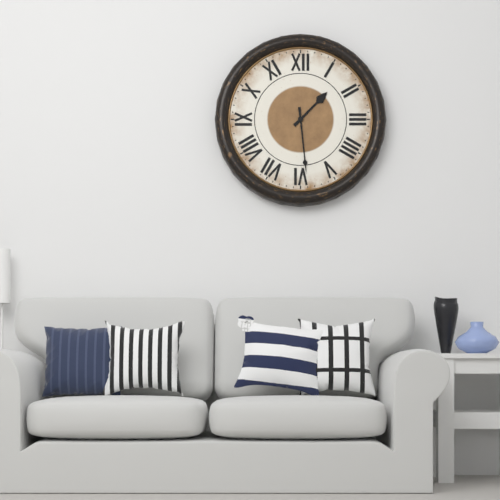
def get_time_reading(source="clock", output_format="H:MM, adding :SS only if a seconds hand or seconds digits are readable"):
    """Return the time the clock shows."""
1:29
